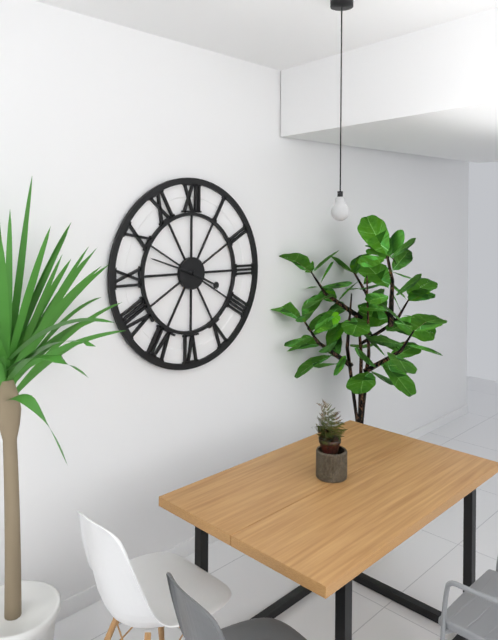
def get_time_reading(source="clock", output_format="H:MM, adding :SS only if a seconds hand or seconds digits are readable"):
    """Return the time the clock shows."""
3:48
